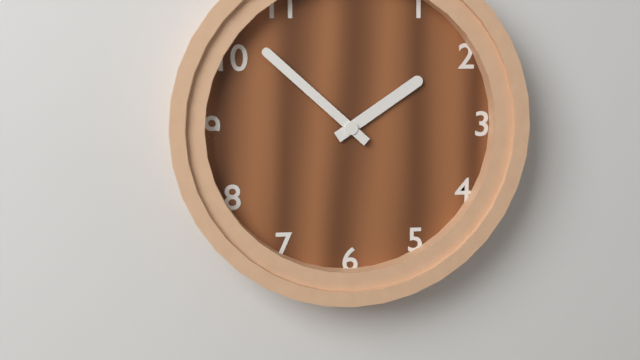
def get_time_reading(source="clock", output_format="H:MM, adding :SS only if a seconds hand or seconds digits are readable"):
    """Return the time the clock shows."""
1:52
